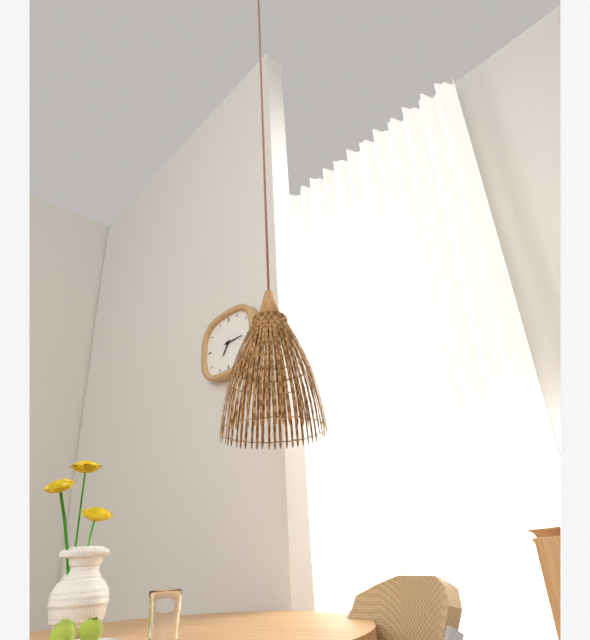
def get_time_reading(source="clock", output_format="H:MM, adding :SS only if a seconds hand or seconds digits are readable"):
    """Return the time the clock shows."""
7:15
